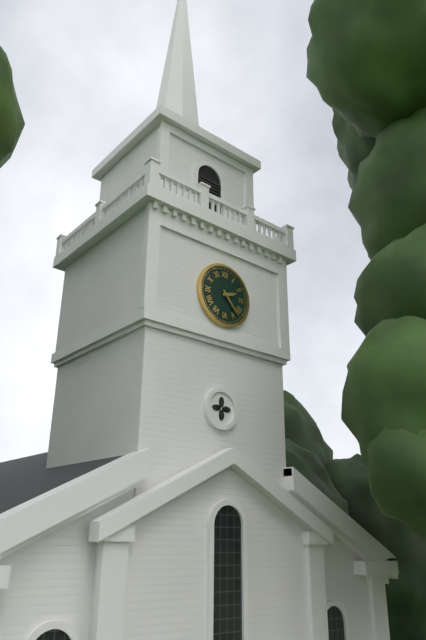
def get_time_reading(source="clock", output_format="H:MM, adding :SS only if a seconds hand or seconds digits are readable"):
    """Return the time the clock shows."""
2:23
